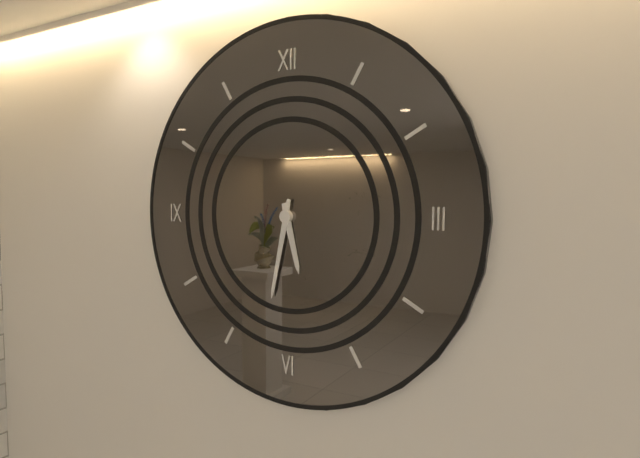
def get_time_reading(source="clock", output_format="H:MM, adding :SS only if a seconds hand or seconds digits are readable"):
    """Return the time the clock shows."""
5:32
